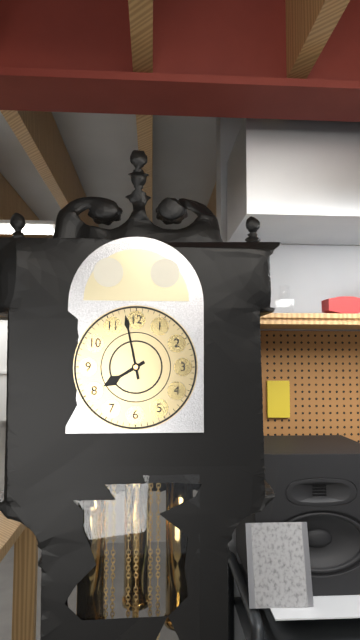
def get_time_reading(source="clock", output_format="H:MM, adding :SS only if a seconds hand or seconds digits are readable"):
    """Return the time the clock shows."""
7:58
